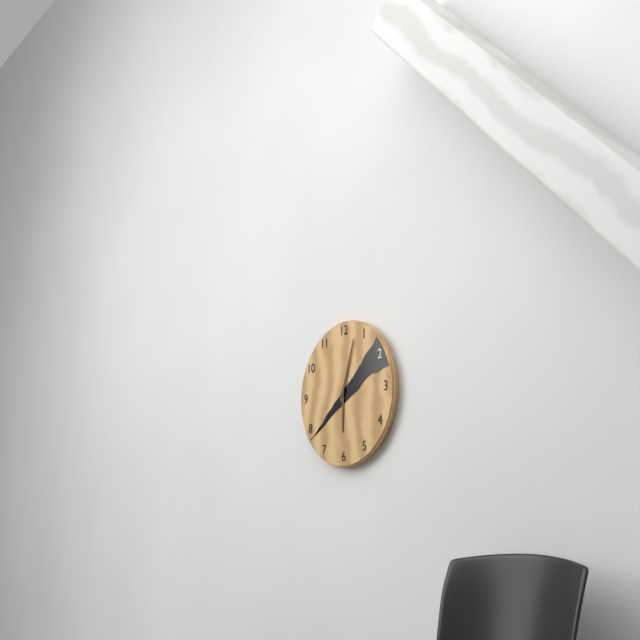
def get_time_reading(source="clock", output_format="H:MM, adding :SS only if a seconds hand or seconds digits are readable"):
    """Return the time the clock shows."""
6:03
